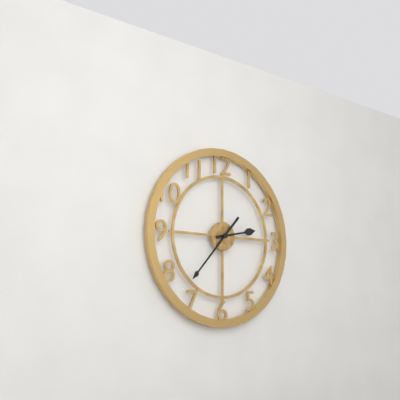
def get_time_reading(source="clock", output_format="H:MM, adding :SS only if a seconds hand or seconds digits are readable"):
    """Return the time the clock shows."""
2:37
